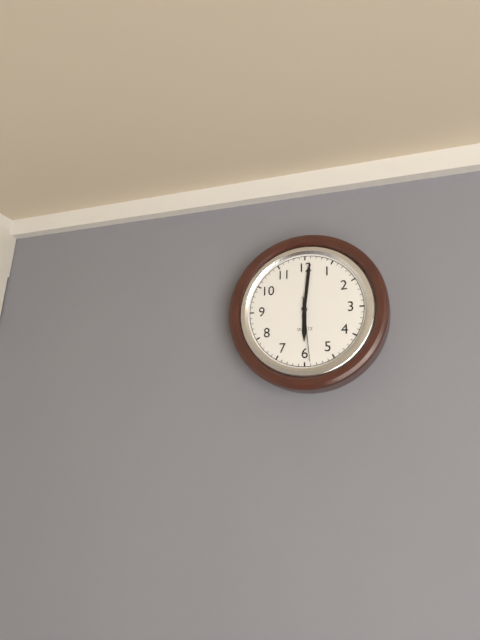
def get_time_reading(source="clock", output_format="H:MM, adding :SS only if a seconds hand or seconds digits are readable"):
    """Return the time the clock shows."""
6:01:29
